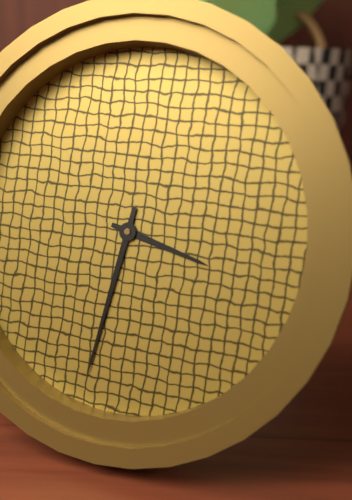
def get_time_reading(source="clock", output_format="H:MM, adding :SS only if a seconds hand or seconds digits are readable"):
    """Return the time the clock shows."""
3:32
